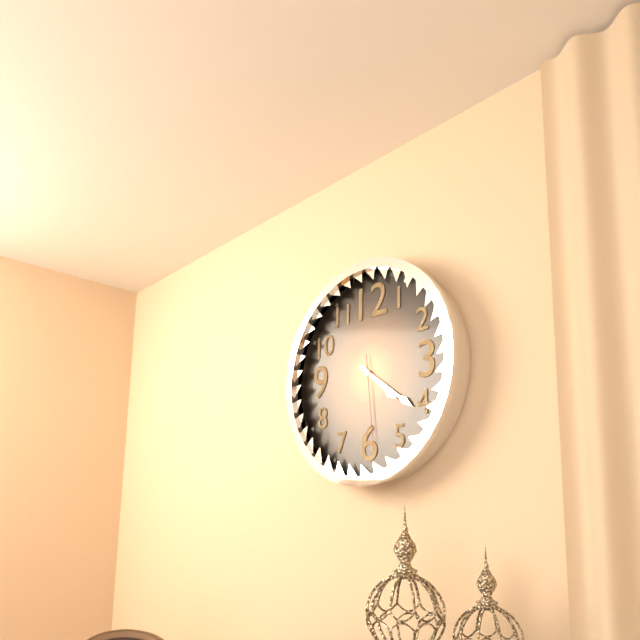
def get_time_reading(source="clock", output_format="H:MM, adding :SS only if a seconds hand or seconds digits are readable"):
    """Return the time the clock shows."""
4:21:29
